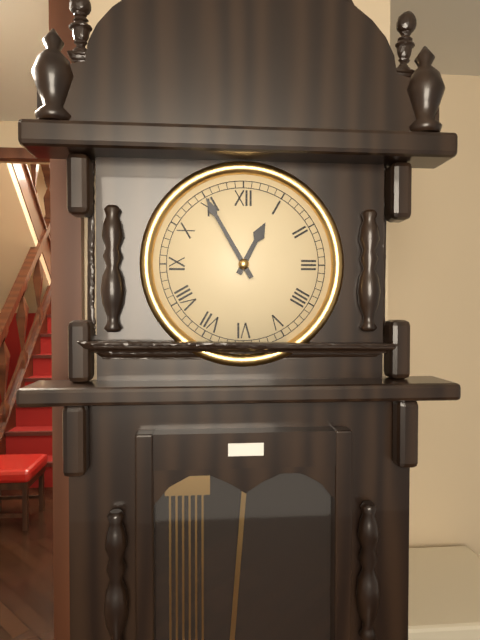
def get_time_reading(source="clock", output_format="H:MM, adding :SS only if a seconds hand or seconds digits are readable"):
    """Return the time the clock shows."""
12:55
